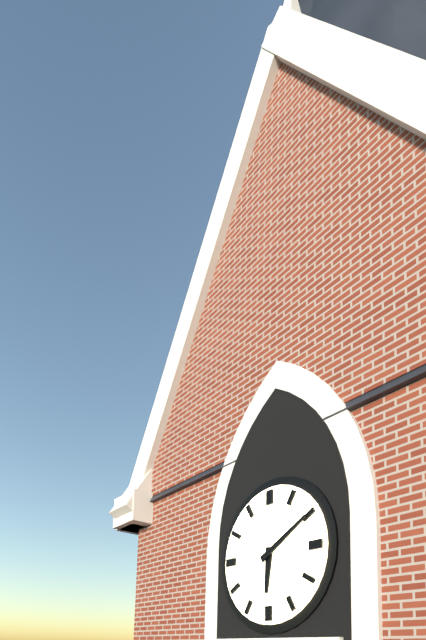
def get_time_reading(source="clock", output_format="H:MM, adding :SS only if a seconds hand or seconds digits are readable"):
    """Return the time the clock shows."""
6:10
